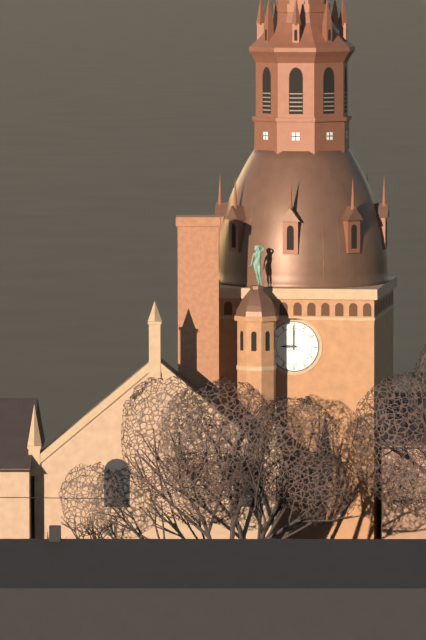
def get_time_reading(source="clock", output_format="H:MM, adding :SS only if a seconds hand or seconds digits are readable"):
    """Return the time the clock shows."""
9:00
